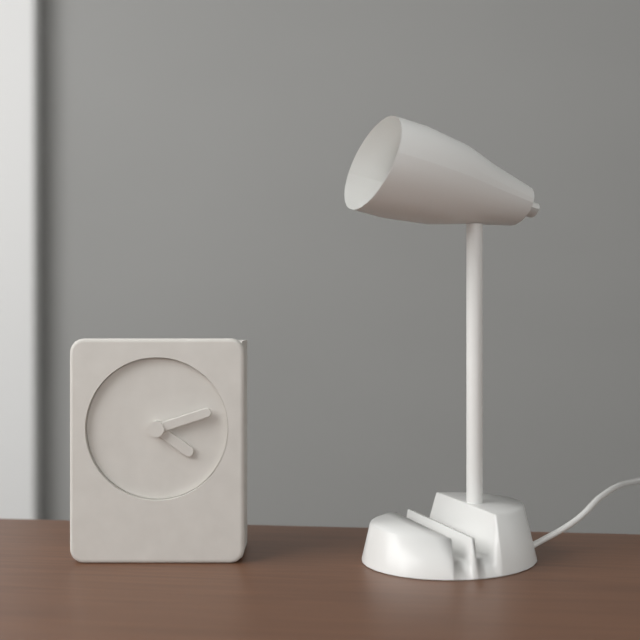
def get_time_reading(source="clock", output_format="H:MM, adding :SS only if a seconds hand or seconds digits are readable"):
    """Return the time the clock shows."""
4:12
